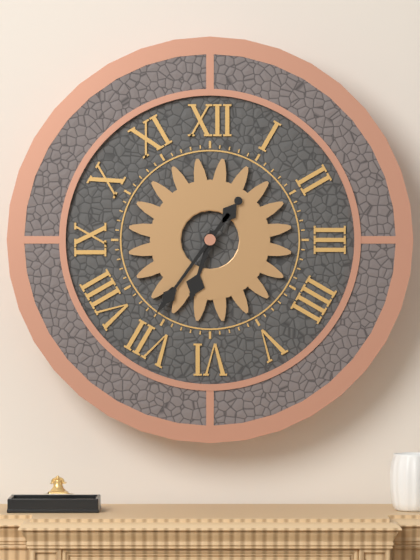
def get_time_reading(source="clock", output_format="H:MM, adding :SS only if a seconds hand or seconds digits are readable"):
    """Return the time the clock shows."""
6:36
